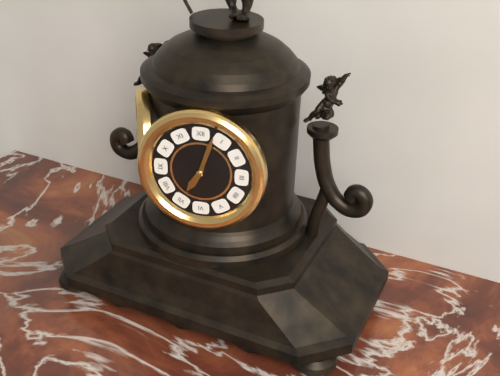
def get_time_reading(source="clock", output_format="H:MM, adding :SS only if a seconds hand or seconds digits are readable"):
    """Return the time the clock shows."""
7:03
